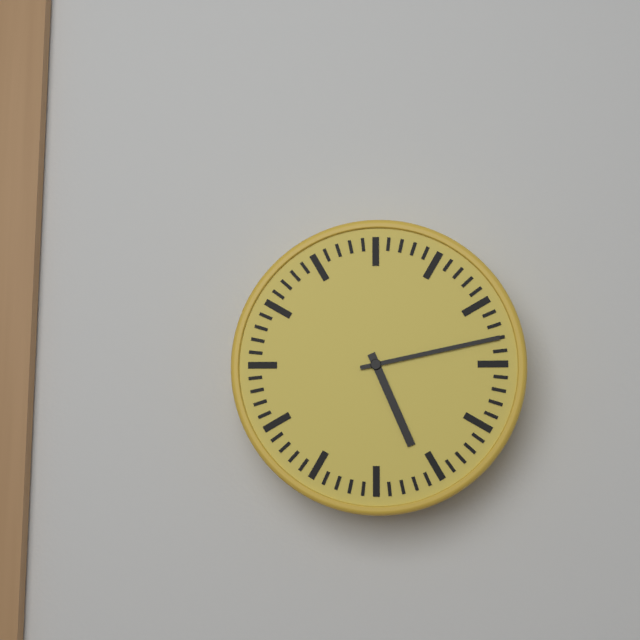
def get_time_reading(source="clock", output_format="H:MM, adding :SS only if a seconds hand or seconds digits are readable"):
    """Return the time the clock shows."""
5:13
